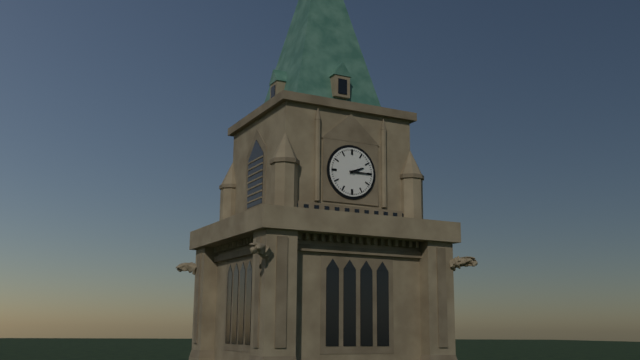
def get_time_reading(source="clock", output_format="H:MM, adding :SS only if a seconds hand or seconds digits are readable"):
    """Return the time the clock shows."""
2:15
